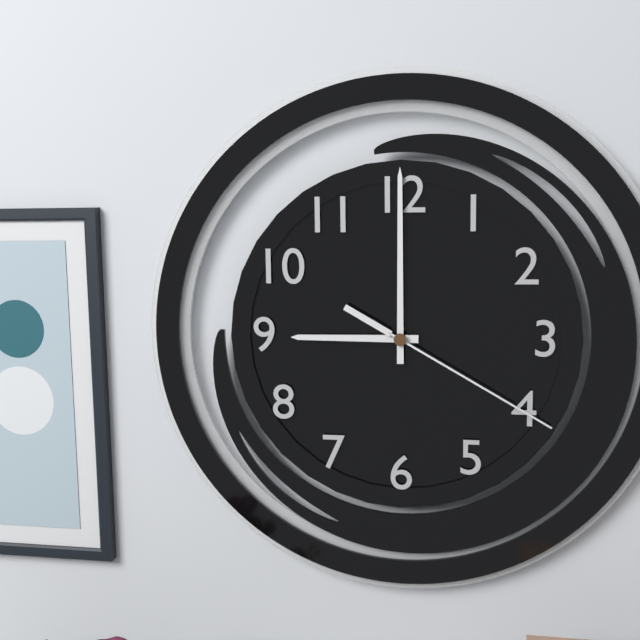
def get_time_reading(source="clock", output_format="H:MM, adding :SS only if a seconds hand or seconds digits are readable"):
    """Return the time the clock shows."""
9:00:20
